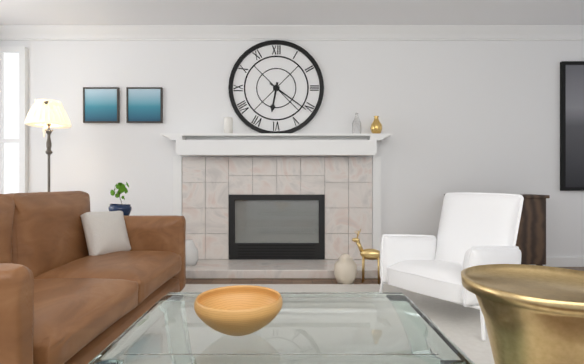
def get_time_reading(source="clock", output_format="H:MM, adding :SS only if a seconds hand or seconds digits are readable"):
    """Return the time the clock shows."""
6:21
